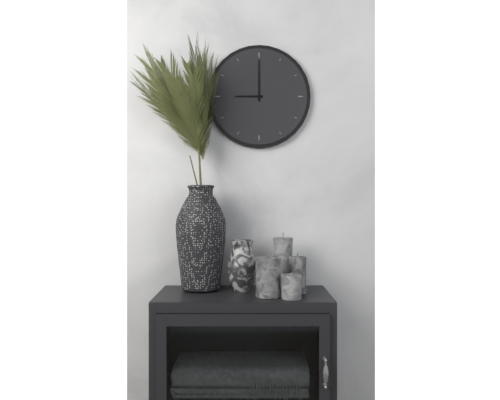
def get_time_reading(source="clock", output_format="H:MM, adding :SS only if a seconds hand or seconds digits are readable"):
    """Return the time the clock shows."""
9:00
